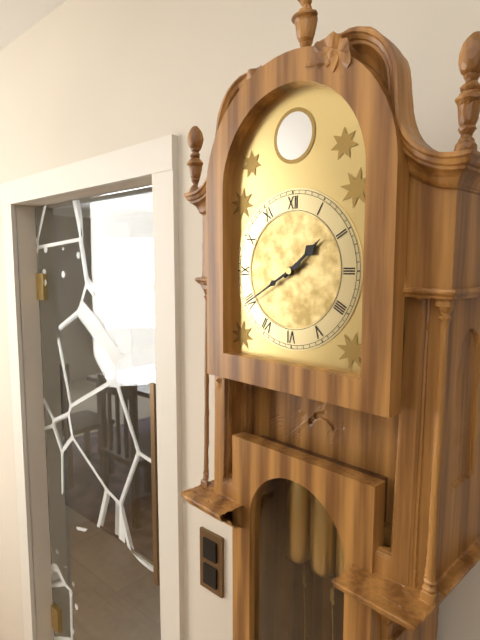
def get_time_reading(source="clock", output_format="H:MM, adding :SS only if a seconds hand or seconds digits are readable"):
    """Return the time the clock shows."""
1:40
